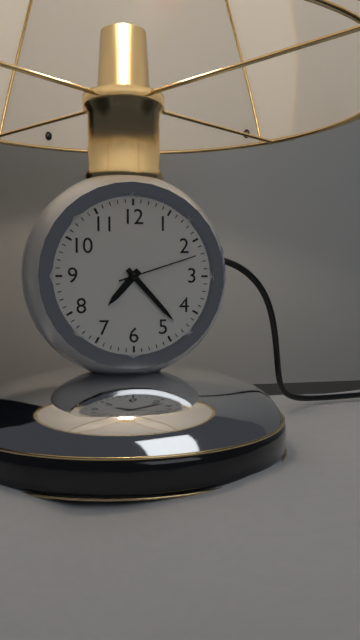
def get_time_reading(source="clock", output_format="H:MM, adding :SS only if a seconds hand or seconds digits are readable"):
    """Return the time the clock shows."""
7:23:12
